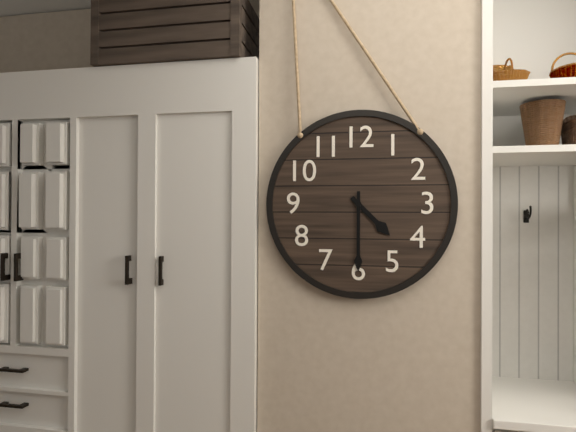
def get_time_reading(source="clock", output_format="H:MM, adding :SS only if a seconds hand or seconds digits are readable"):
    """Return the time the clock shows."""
4:30
